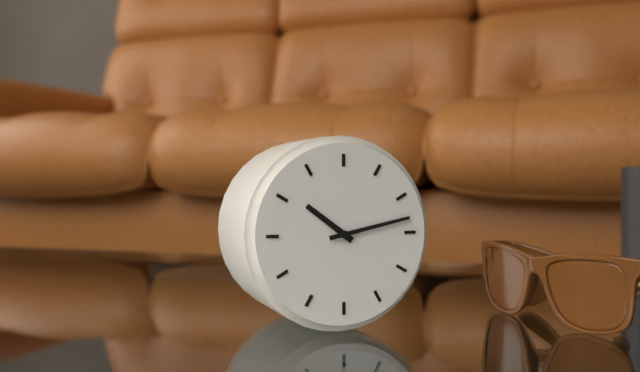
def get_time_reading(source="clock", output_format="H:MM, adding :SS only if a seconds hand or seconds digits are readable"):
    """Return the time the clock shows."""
10:13
